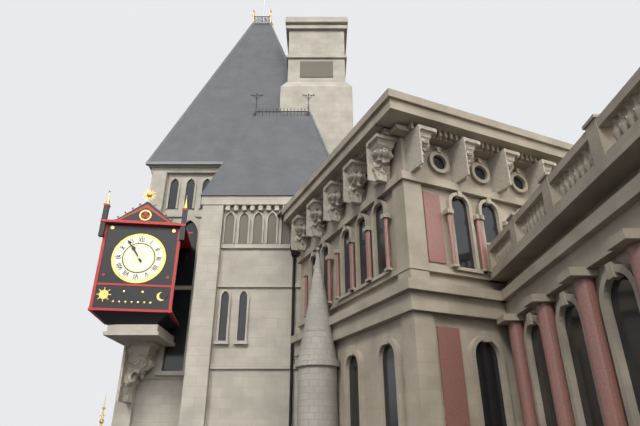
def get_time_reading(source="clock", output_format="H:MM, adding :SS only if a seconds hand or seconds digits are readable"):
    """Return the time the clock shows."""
10:54
